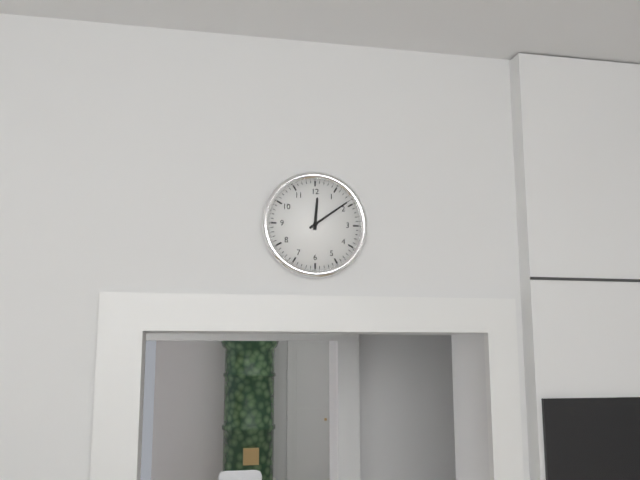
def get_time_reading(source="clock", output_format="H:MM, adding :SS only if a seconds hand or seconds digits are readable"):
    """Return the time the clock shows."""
12:09
